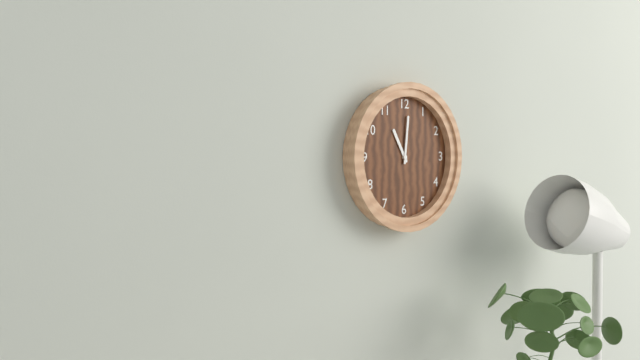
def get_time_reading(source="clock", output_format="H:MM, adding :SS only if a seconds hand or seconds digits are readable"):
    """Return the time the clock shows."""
11:01
